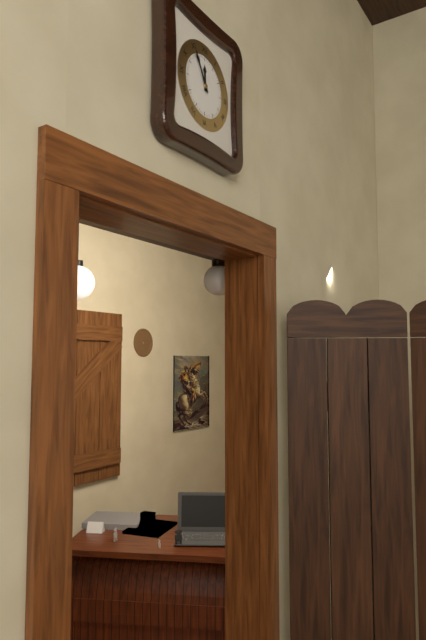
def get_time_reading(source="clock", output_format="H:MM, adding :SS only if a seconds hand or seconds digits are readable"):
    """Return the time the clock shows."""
11:55
